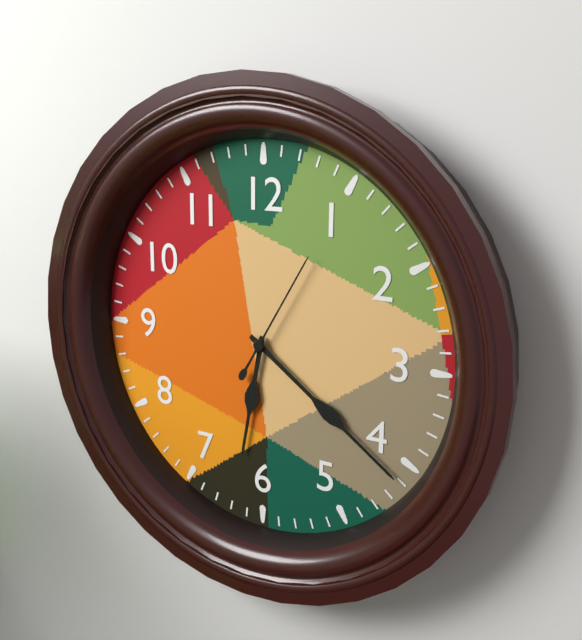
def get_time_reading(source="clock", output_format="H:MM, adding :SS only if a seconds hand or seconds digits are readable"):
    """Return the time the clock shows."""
6:21:05
